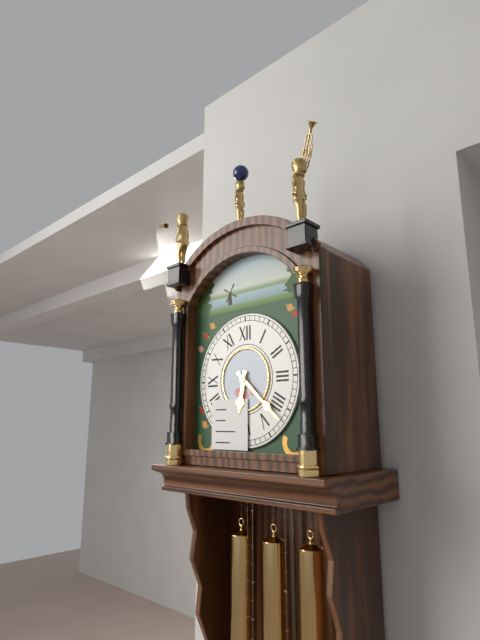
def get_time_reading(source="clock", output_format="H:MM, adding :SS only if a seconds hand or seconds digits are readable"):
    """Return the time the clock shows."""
6:22
